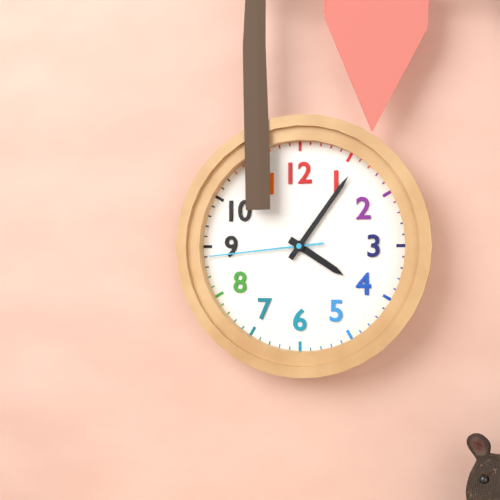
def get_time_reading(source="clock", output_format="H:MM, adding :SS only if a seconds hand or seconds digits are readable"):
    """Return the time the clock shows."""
4:06:44
